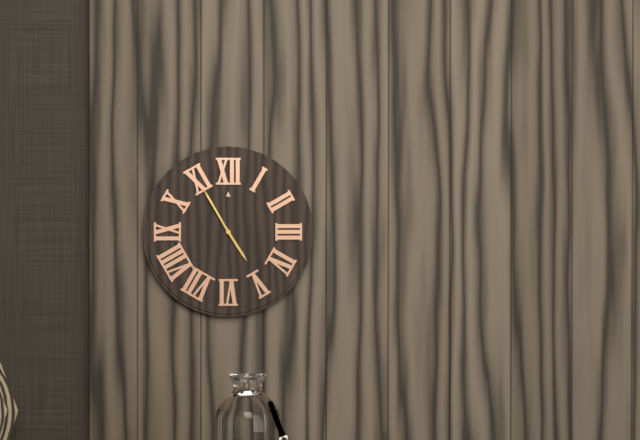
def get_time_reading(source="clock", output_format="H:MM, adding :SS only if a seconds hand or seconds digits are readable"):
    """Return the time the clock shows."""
4:55
